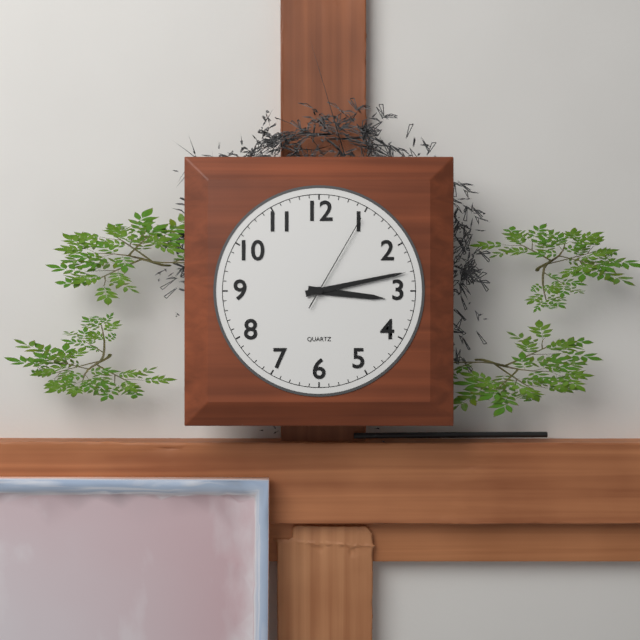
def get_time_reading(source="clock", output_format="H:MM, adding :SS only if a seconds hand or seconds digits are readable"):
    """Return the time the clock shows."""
3:13:05
